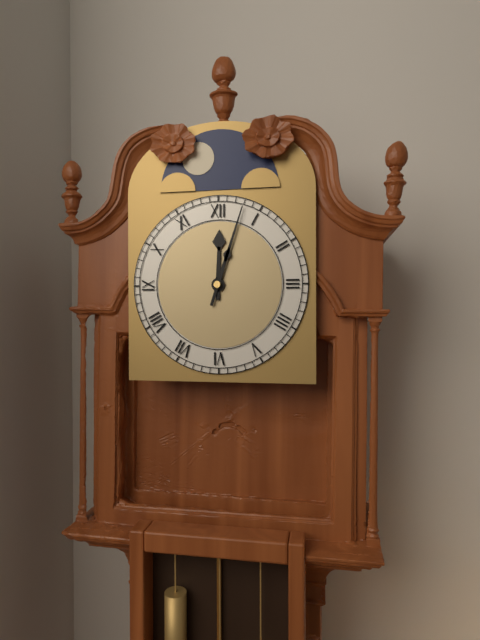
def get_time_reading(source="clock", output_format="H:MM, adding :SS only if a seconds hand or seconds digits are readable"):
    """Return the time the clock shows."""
12:03
